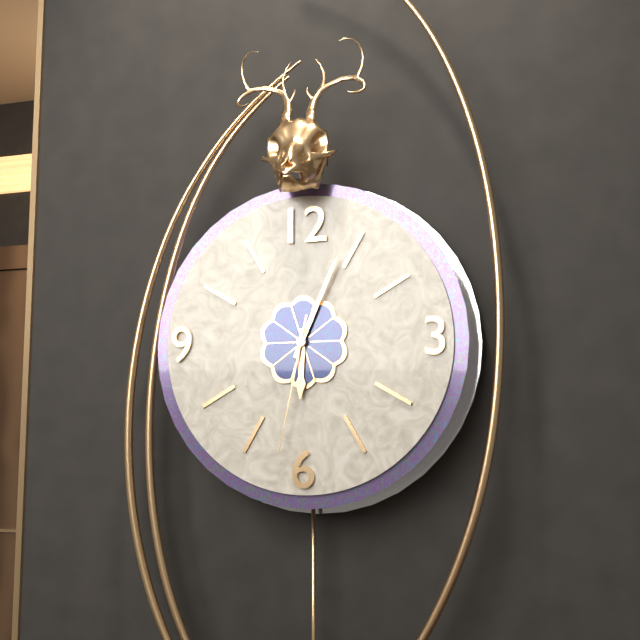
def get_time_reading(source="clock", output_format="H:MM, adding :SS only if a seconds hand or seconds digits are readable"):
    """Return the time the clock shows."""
6:04:32
